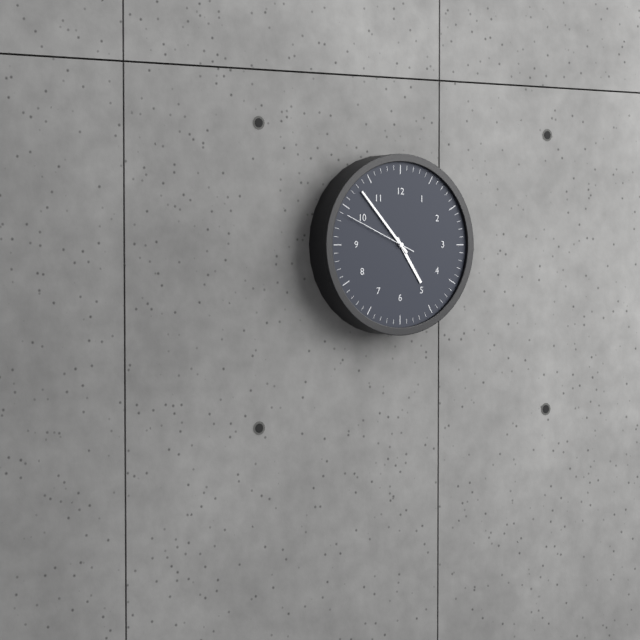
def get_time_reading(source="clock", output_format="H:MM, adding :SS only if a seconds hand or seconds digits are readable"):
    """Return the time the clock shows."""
4:53:49
